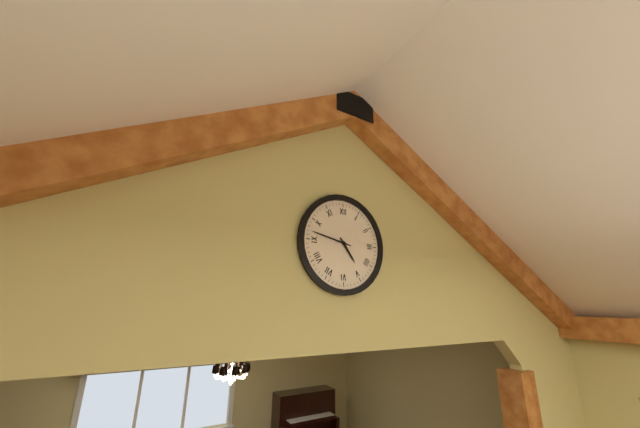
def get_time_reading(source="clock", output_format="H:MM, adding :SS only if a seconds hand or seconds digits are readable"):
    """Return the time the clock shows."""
4:47
